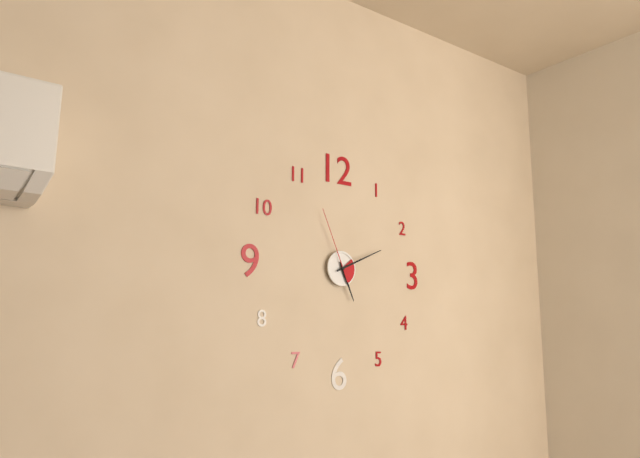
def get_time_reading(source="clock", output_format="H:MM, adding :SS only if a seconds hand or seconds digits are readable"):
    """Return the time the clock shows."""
5:11:56
